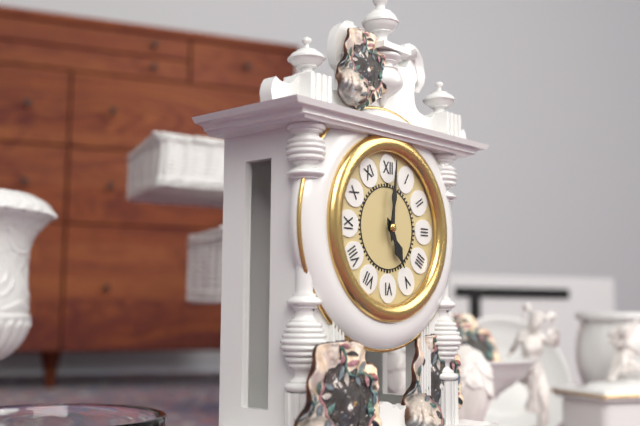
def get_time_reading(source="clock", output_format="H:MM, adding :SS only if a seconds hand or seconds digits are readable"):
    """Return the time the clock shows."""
5:01
